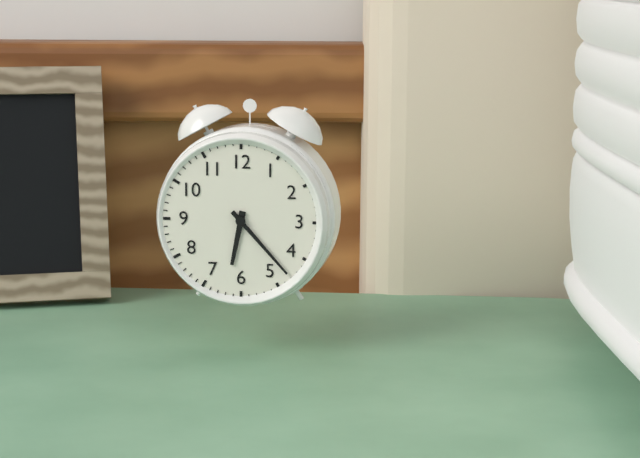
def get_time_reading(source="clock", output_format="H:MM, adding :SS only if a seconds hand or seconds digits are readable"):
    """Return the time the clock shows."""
6:23
